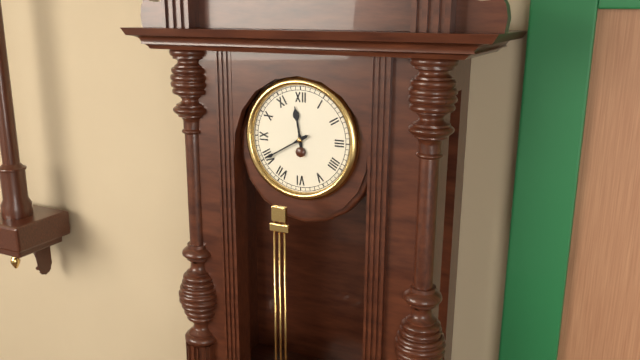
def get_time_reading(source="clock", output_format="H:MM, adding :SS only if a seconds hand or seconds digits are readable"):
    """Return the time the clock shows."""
11:40
